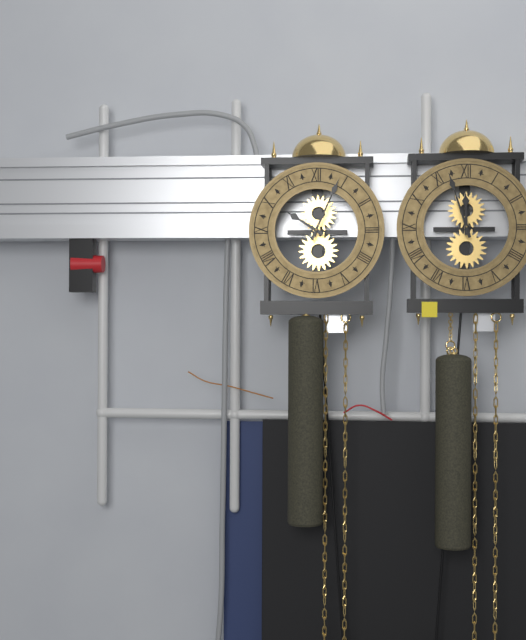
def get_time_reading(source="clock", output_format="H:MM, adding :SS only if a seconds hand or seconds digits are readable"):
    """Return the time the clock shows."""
10:04
